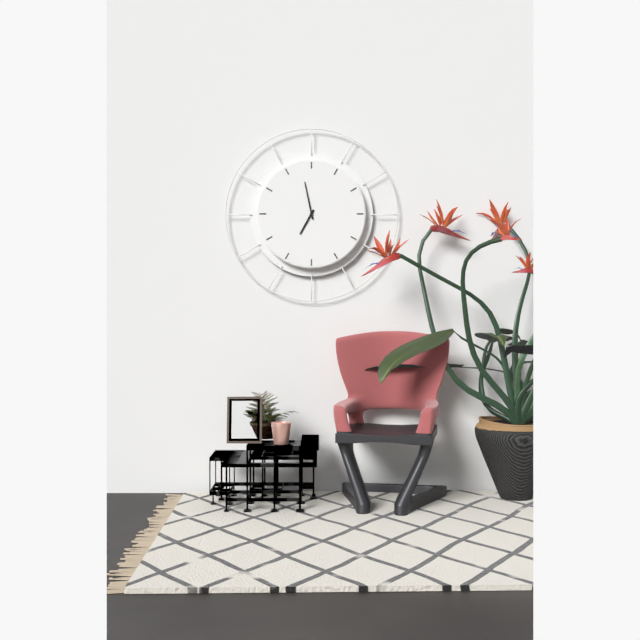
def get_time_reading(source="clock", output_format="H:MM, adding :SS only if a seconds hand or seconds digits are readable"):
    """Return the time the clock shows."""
6:58
